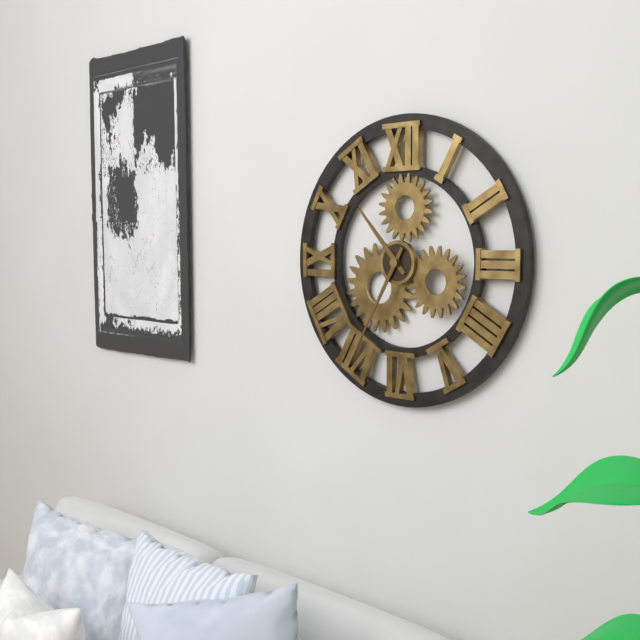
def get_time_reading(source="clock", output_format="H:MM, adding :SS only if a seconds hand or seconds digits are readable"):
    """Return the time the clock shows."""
10:35
